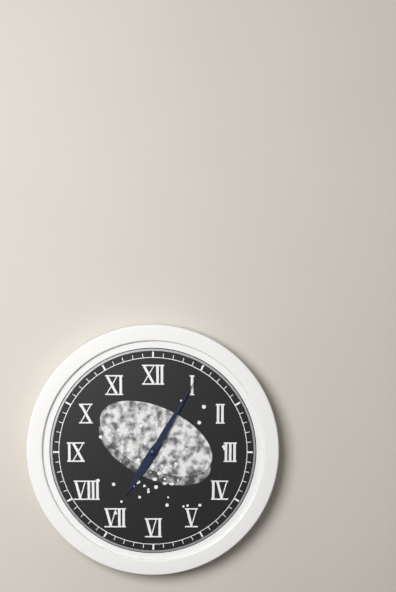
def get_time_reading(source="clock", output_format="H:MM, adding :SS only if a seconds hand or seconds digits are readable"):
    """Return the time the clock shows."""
7:05
